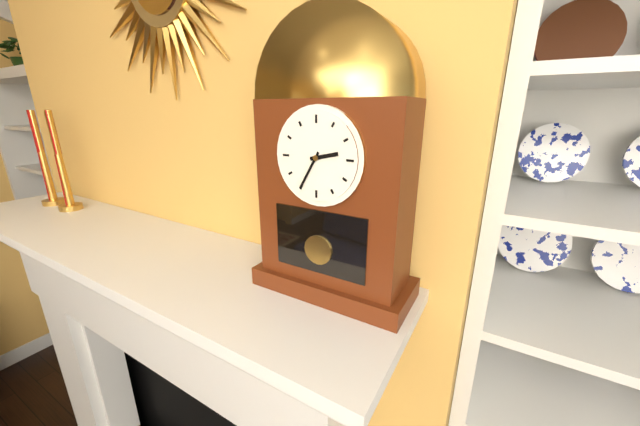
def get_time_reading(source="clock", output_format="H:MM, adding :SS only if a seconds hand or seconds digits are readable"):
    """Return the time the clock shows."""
2:35
